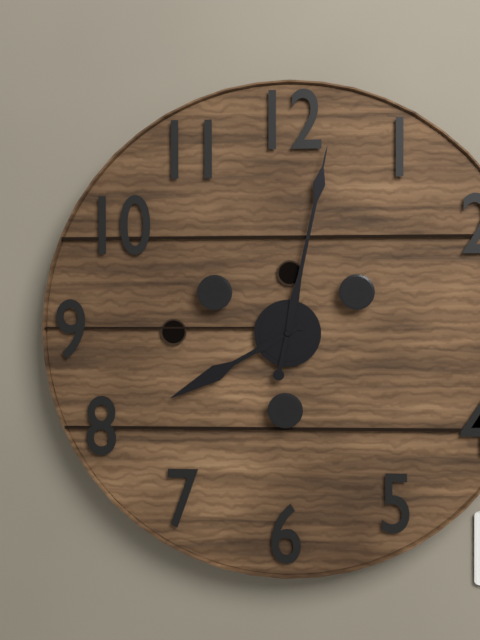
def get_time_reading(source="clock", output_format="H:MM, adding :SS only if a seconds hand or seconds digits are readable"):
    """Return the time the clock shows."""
8:02
